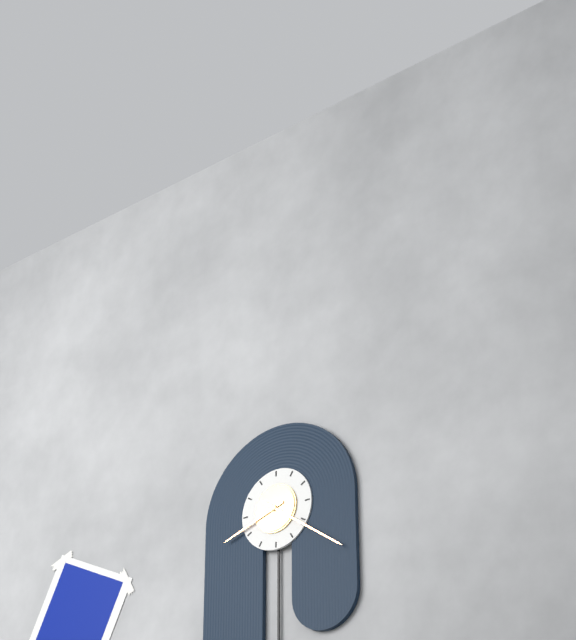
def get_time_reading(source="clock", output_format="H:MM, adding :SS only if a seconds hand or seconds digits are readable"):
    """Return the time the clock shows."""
8:21
